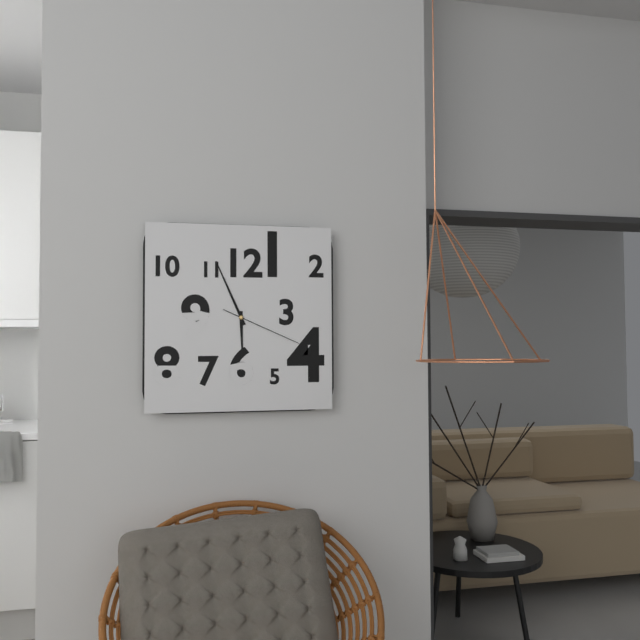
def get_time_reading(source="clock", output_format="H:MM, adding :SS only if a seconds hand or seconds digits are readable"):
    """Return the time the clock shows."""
5:56:19
